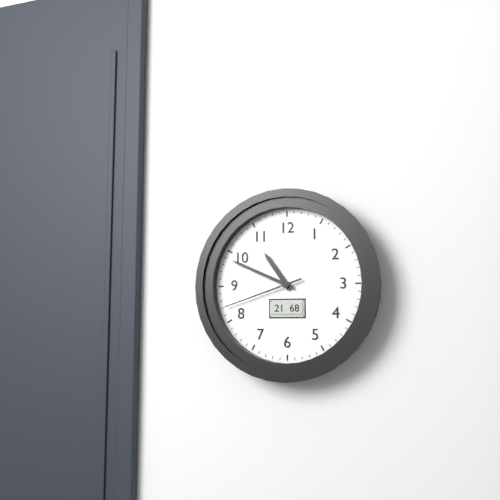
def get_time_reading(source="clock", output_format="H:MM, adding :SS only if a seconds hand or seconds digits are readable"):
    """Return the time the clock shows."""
10:49:42
